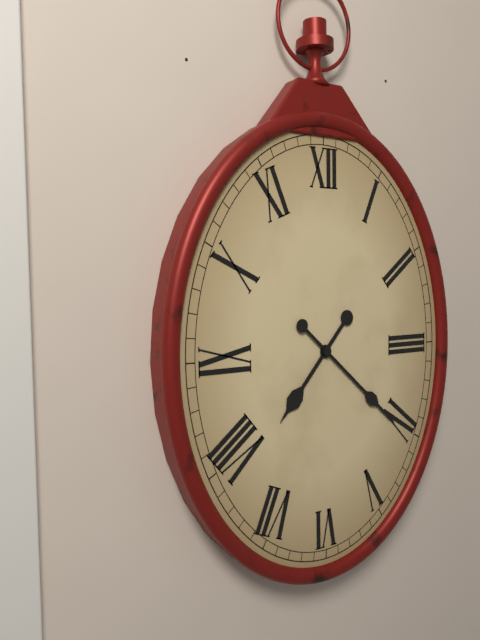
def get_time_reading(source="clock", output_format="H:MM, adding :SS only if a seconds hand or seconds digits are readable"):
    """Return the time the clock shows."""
7:22
